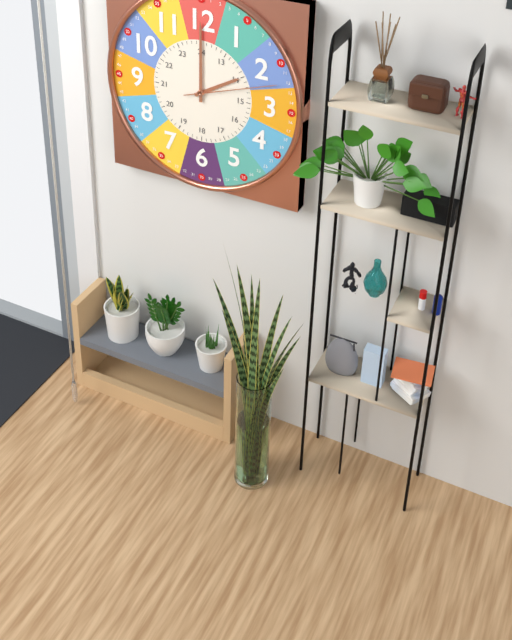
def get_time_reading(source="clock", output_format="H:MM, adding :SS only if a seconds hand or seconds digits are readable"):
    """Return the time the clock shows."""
2:00:12
